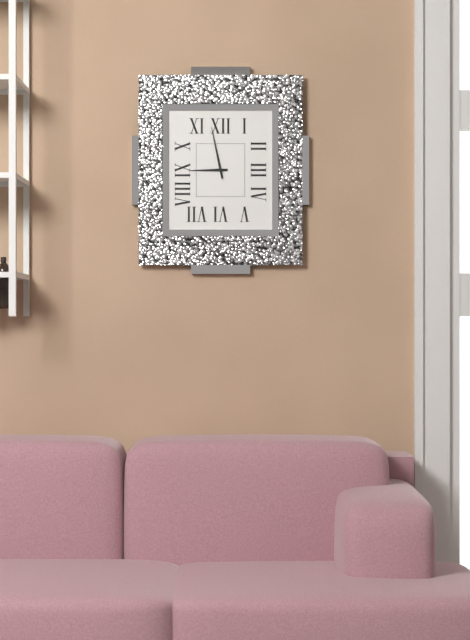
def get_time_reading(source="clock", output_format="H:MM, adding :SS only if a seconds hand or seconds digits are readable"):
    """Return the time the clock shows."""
8:58
